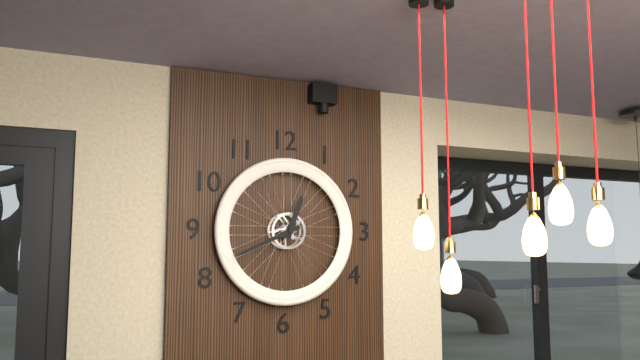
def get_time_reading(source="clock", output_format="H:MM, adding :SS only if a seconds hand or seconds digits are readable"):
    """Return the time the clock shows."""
12:41
